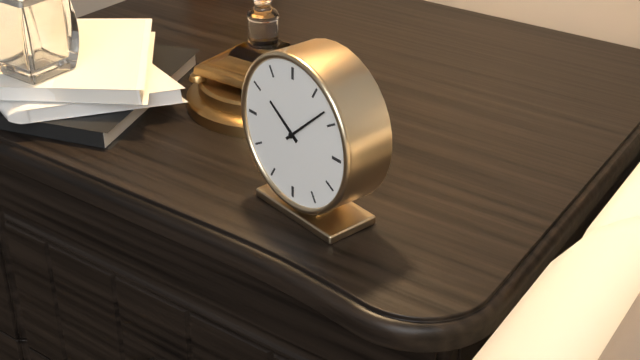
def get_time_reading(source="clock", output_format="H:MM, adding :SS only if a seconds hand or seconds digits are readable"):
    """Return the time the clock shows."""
10:08
